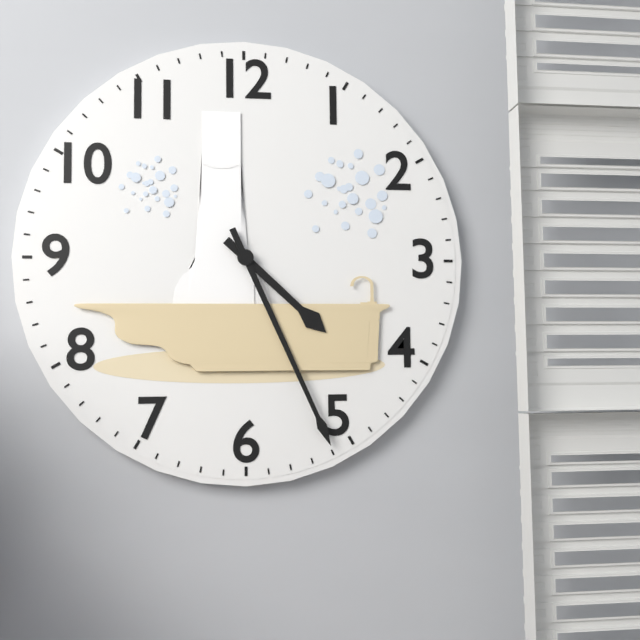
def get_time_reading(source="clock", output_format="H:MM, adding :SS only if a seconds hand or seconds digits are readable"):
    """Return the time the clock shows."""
4:26
